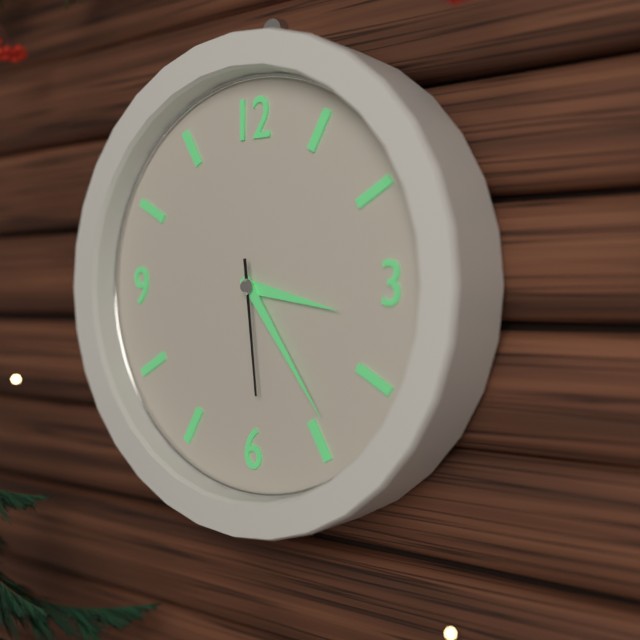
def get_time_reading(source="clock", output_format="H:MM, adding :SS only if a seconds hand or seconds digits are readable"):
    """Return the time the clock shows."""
3:24:29
